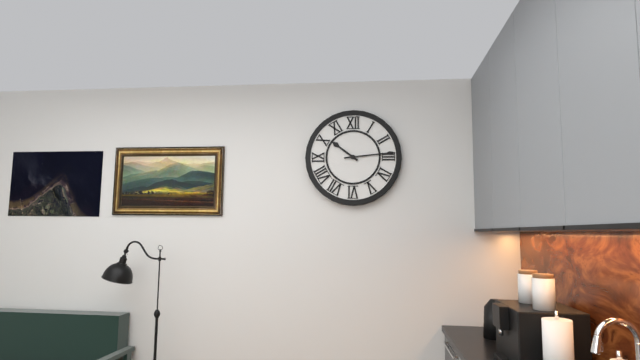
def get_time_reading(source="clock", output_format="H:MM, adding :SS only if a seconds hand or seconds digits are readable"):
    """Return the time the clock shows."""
10:14
